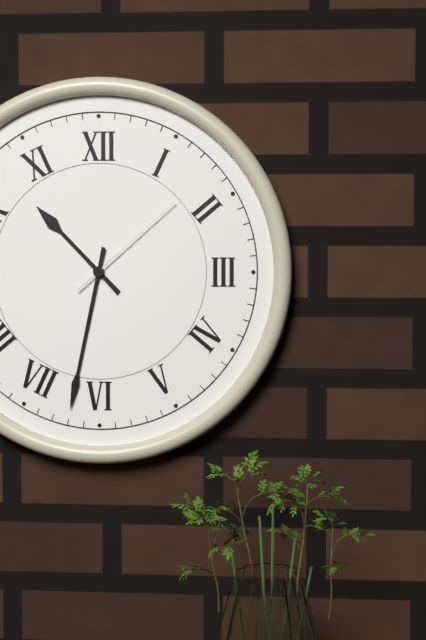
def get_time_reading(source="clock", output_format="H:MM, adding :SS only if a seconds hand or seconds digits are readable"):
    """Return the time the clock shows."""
10:32:08
